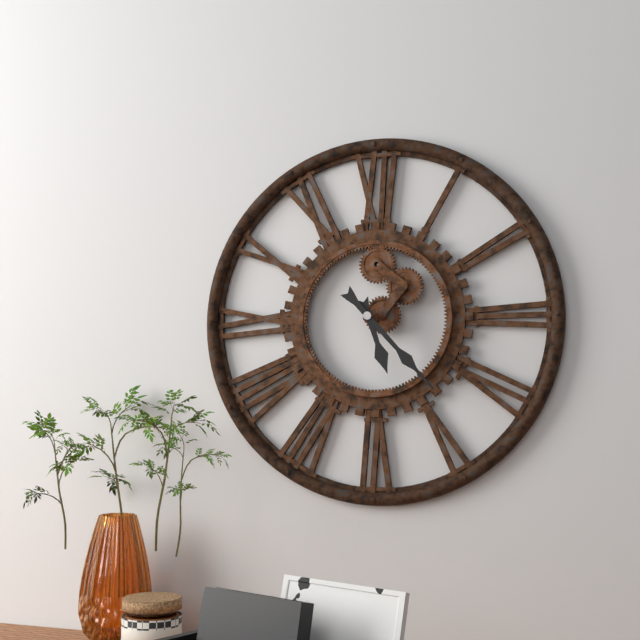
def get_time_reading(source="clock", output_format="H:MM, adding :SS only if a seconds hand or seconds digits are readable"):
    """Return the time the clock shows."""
5:23
